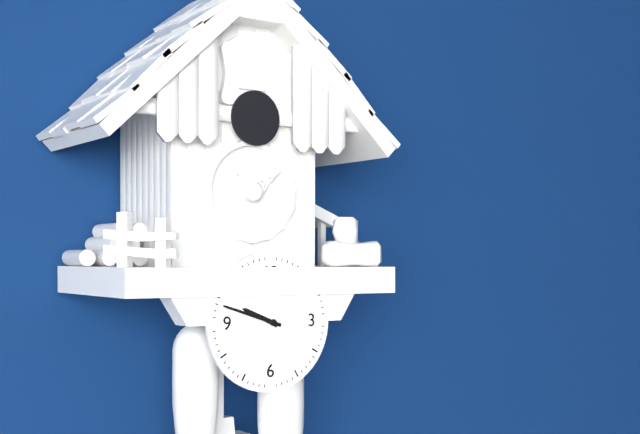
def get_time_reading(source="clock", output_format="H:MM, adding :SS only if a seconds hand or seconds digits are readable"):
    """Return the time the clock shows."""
9:48
